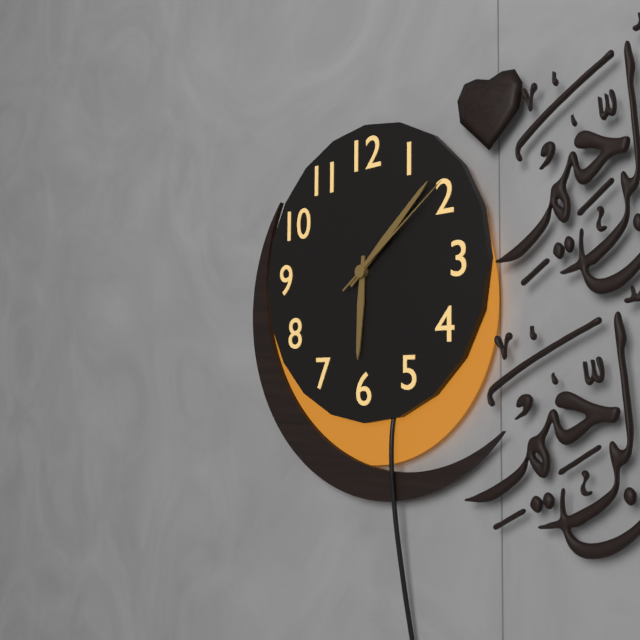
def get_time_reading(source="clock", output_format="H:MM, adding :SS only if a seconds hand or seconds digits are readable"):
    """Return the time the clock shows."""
6:08:09
